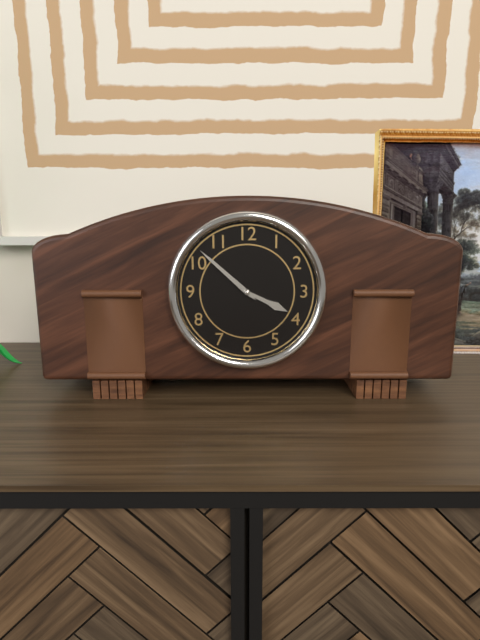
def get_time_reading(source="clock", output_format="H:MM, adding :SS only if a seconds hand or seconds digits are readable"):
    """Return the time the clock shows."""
3:52
